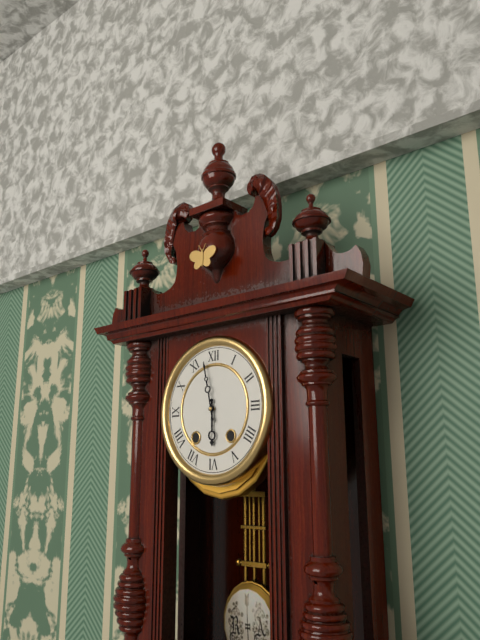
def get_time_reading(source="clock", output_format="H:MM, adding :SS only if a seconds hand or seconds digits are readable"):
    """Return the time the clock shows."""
5:58
